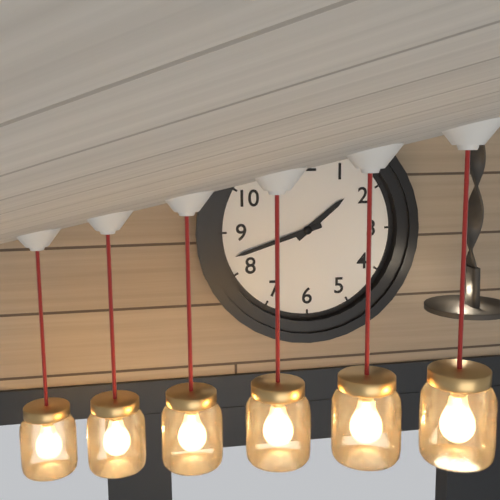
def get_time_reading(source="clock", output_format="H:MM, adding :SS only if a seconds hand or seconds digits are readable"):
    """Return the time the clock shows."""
1:42
